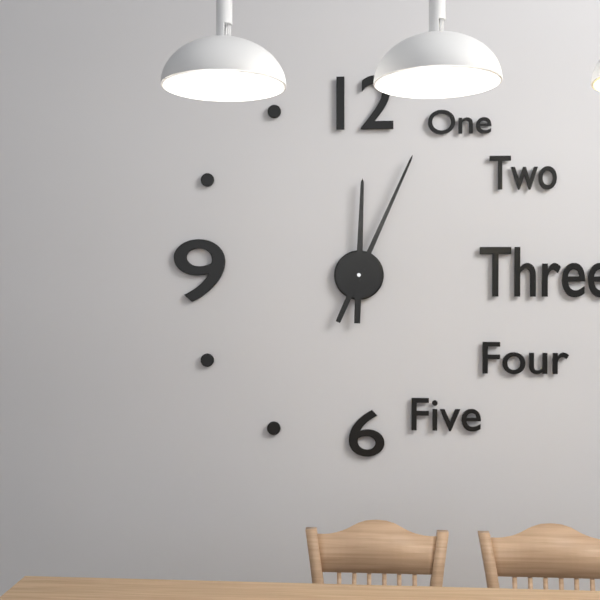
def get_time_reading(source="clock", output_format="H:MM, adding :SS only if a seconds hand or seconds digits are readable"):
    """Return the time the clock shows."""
12:04
